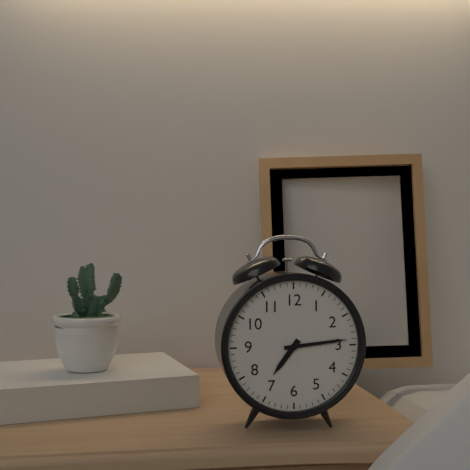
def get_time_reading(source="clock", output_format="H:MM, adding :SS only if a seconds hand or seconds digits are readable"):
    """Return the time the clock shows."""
7:14
